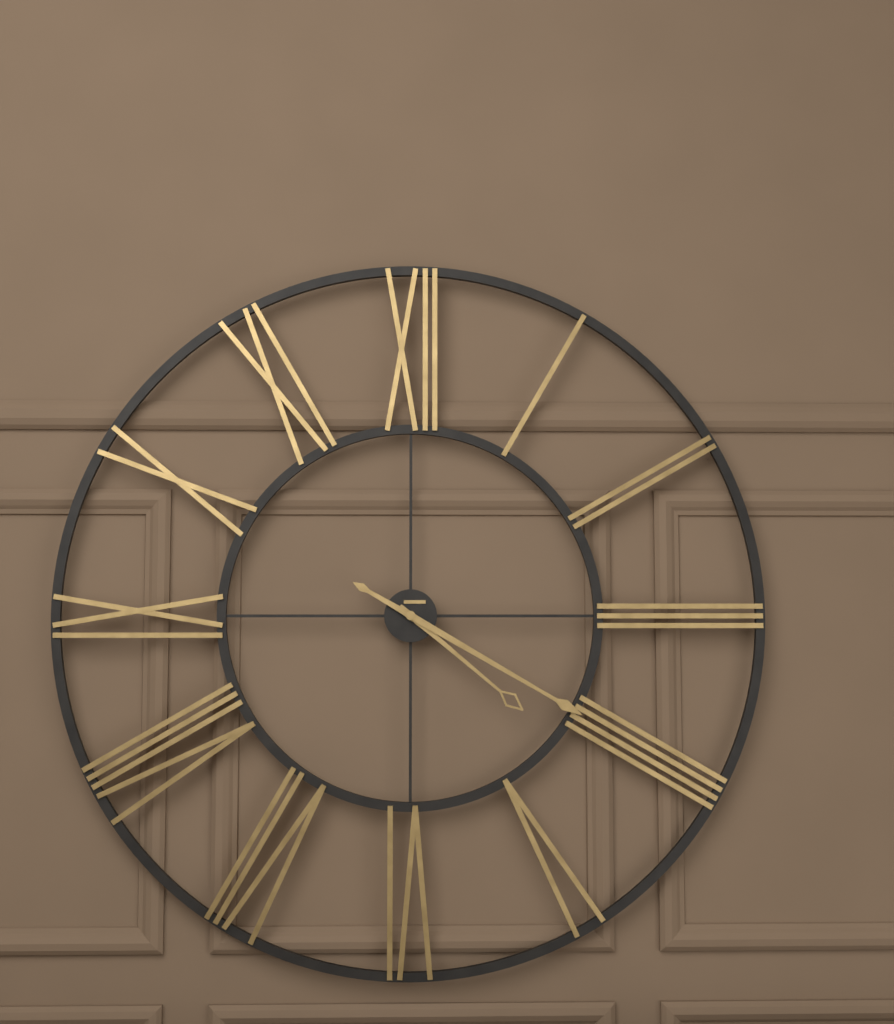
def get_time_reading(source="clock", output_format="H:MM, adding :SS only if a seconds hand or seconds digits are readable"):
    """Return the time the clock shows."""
4:20
